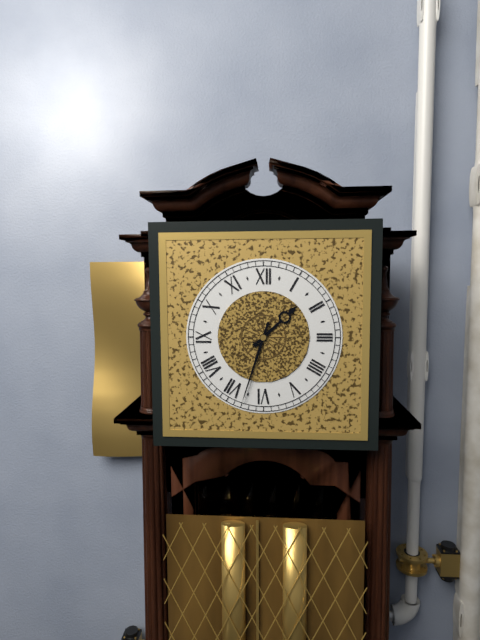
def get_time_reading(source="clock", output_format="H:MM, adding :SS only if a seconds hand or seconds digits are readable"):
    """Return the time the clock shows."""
1:33
